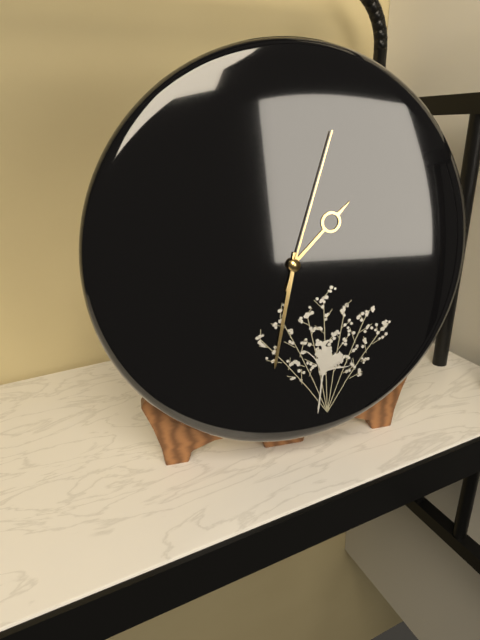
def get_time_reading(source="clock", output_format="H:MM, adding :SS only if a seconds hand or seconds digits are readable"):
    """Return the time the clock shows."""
1:32:03
